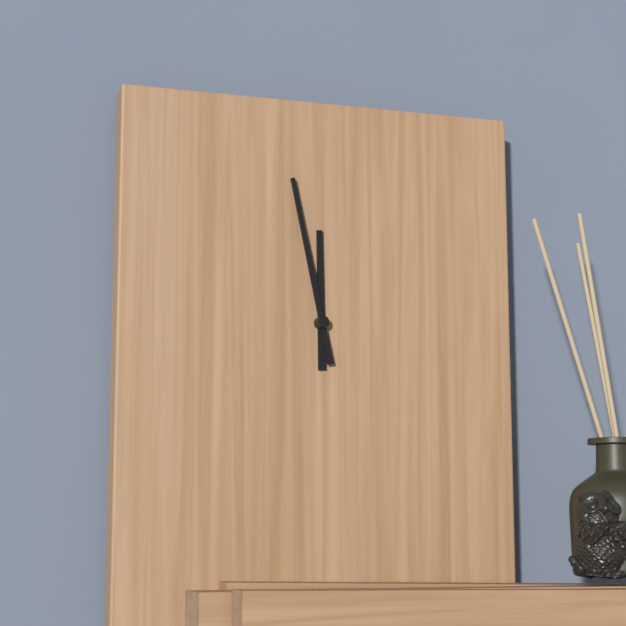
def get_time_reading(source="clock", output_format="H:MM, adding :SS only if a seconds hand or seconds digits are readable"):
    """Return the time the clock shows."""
11:58
